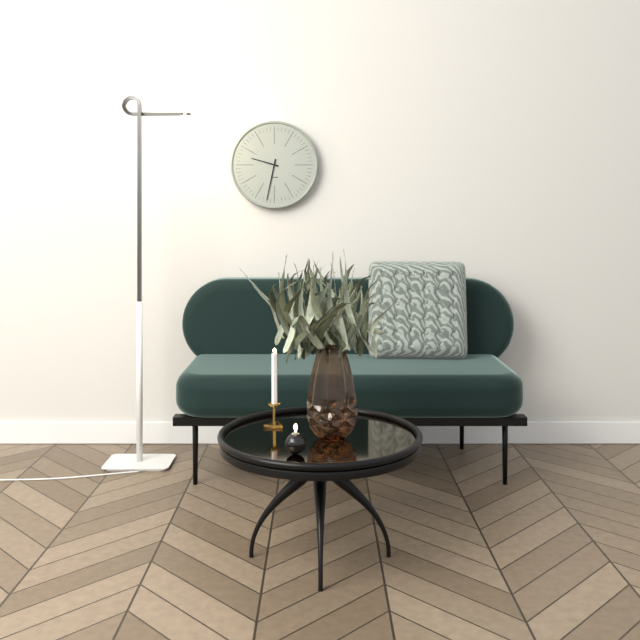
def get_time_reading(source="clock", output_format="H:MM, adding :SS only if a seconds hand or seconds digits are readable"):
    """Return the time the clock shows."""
9:32
